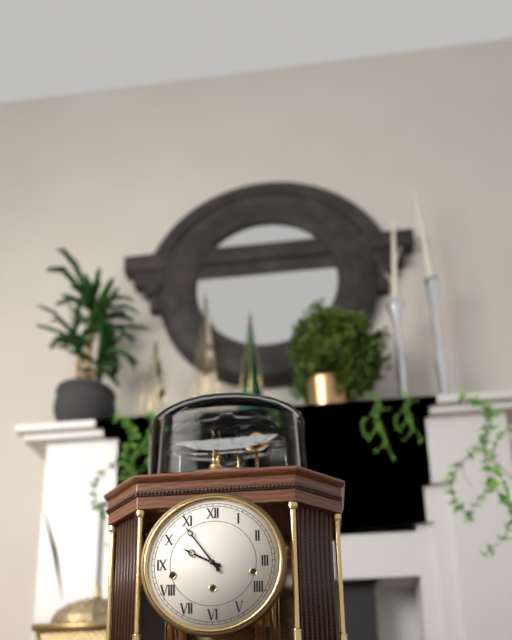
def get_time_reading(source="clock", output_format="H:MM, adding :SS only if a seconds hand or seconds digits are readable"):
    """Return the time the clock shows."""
9:54
